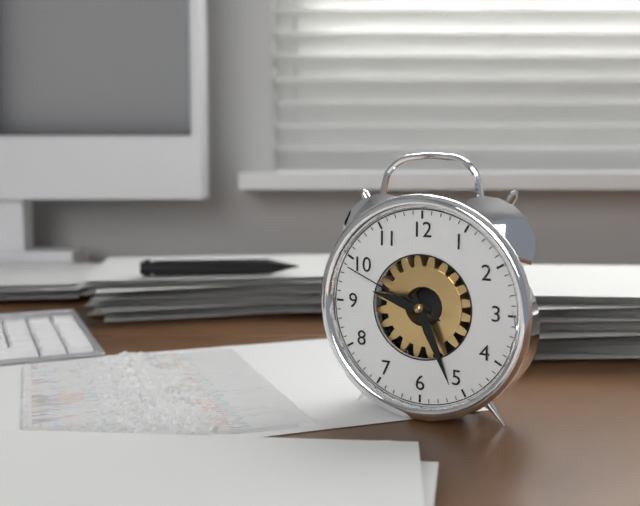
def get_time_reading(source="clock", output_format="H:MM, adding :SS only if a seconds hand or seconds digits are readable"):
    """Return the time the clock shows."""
9:26:49
